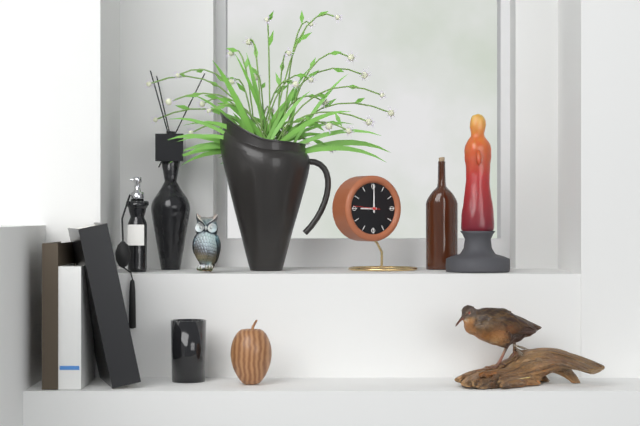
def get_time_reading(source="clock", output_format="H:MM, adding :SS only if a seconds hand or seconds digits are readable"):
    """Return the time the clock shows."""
9:00
